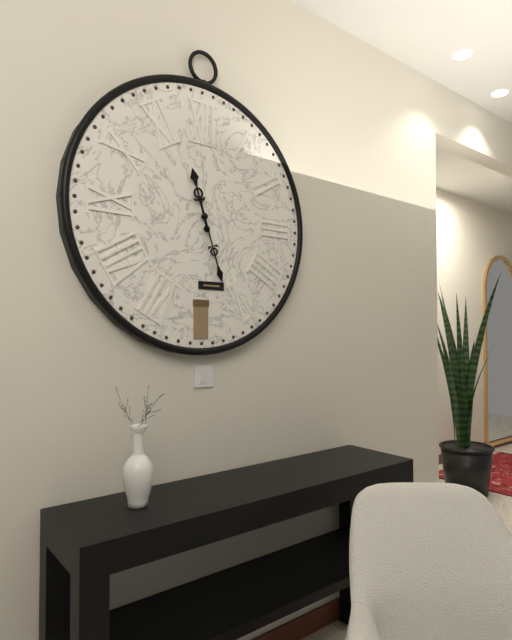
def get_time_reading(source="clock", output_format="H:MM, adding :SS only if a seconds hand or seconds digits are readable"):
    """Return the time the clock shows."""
11:27
